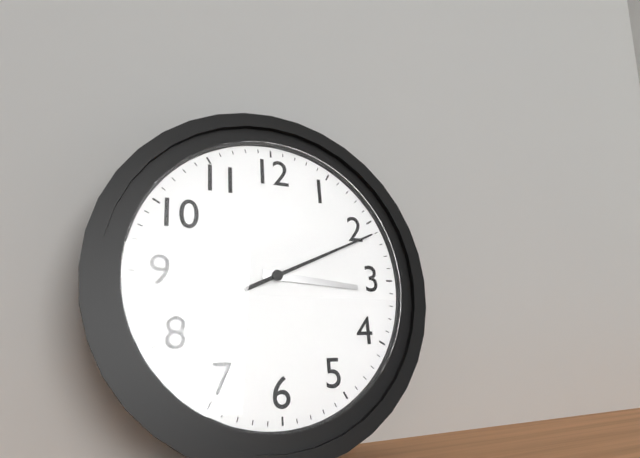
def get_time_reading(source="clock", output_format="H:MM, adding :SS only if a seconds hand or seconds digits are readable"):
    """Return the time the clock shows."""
3:11
